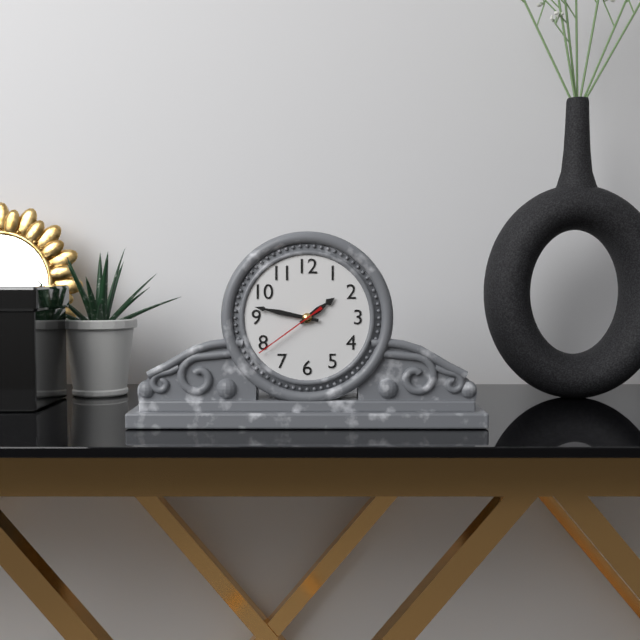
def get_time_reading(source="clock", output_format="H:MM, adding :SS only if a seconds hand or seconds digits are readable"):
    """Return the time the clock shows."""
1:47:39
